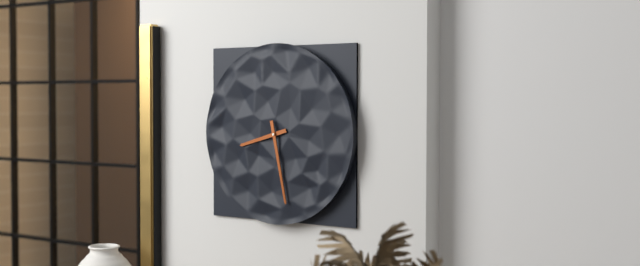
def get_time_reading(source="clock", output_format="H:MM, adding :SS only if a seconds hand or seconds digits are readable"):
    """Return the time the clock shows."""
8:28
